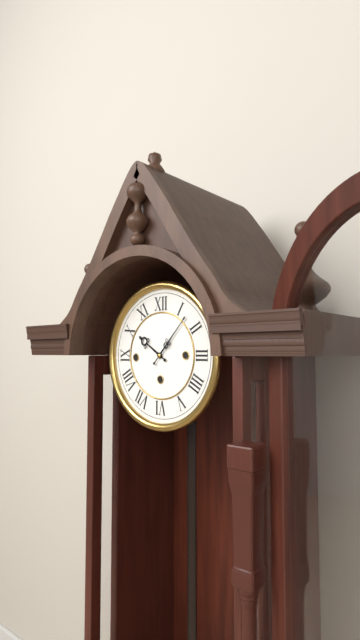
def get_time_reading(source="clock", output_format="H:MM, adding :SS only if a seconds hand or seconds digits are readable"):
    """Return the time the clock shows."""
10:07
